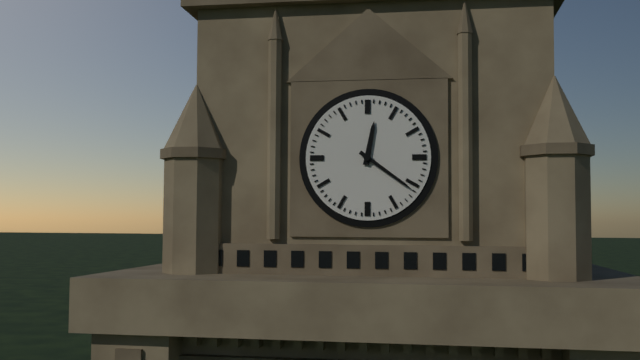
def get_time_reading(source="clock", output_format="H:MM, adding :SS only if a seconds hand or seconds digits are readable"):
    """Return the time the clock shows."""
12:21
